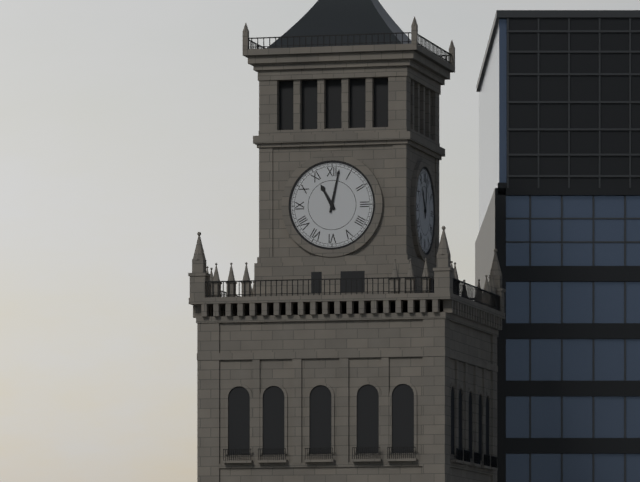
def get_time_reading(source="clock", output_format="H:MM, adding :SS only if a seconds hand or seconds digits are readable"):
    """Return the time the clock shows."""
11:02
